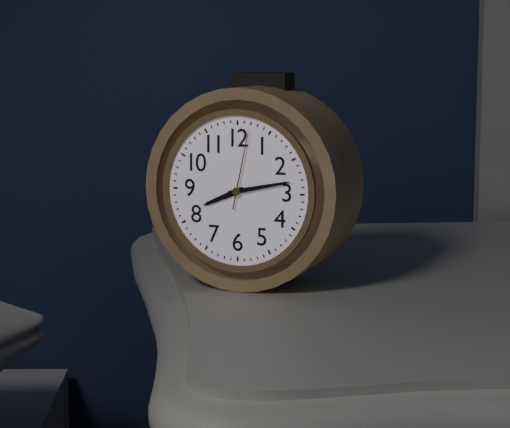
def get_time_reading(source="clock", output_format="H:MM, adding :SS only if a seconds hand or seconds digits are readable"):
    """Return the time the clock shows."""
8:13:02
